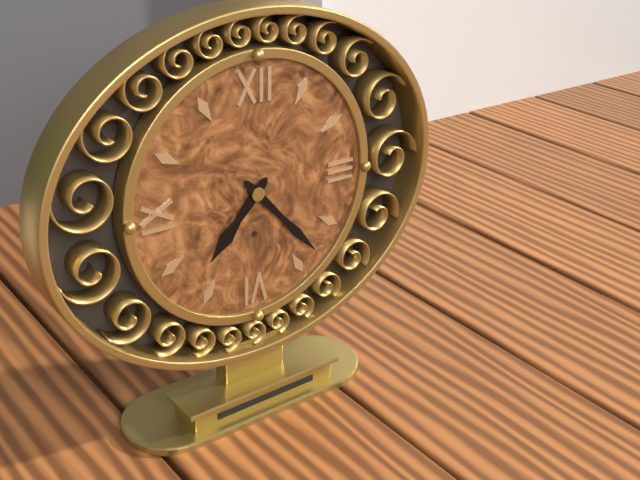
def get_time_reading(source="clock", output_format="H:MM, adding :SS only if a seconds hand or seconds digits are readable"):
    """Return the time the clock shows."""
7:23
